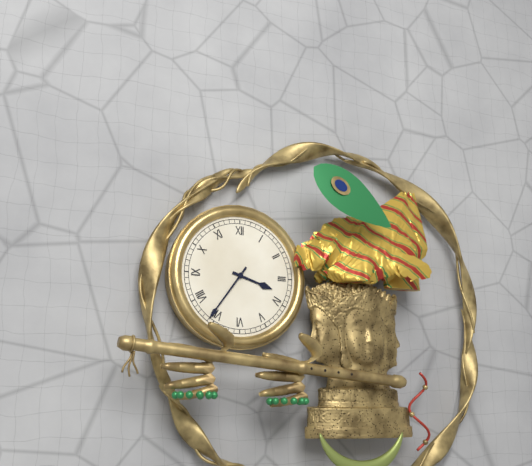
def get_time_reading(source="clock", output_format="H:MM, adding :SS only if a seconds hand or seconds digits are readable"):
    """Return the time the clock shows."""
3:36
